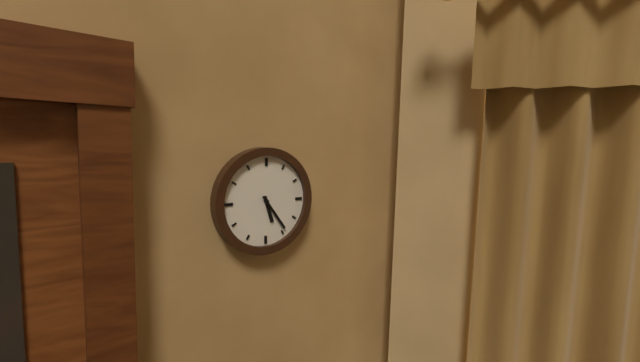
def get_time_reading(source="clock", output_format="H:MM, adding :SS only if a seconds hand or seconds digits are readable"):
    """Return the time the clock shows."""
5:24
